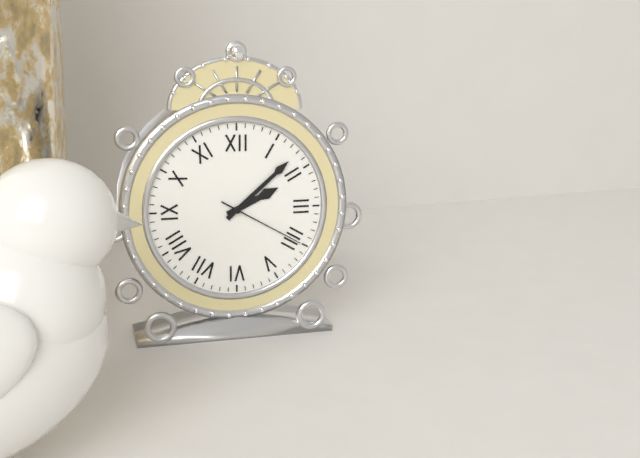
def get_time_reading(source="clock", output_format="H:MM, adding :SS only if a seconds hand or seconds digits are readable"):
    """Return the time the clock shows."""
2:08:20
